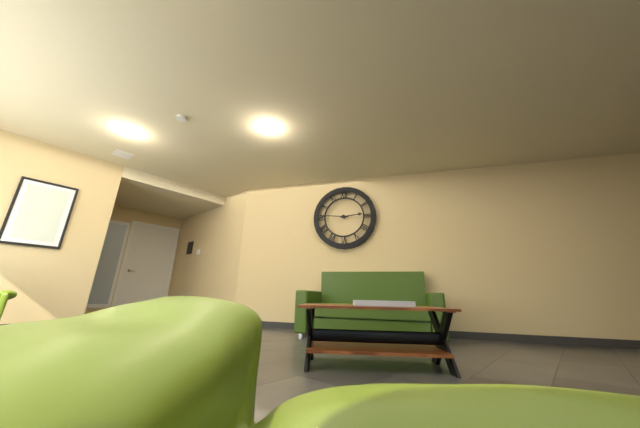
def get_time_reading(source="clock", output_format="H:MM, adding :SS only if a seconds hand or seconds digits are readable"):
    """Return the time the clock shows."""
2:46
